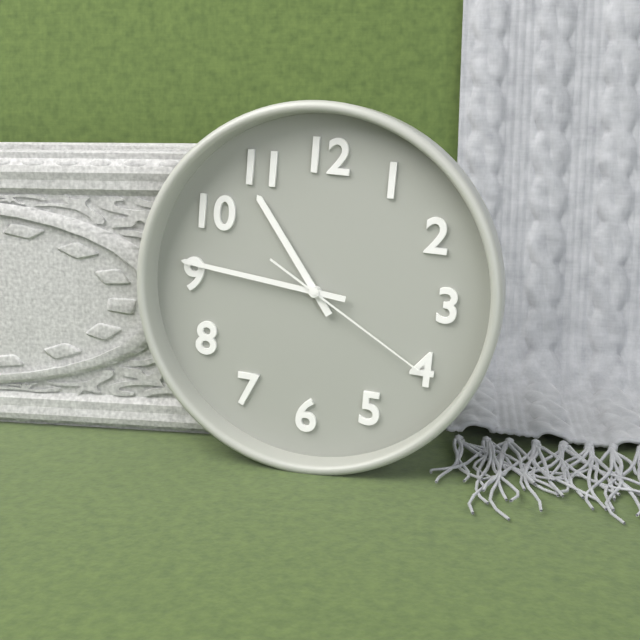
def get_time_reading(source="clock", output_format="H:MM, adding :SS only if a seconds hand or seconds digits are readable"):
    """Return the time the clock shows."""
10:46:20
